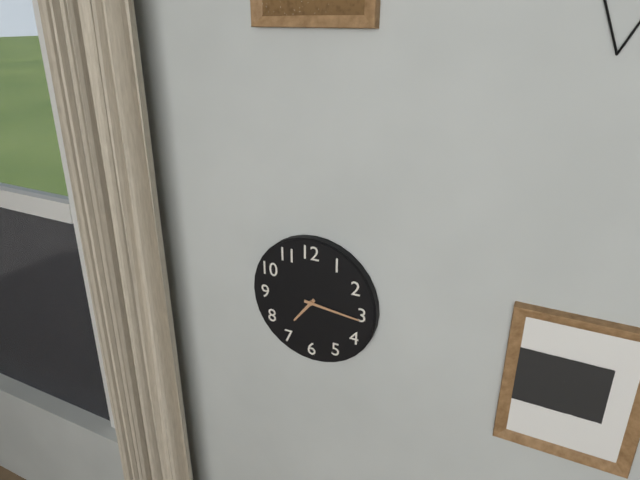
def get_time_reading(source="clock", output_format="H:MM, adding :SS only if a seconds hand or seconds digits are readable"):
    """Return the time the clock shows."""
7:16
